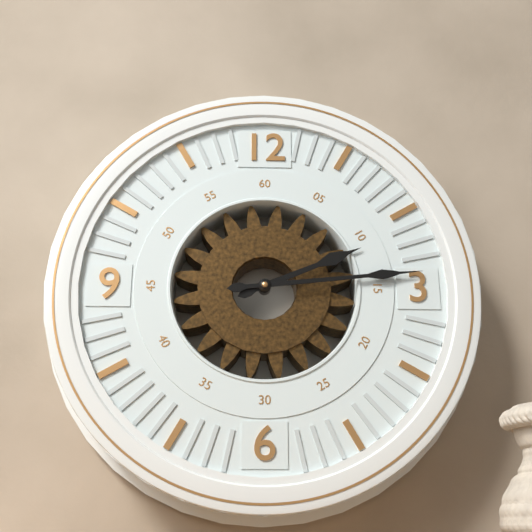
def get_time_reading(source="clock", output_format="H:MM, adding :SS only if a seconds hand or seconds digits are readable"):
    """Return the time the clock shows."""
2:14
